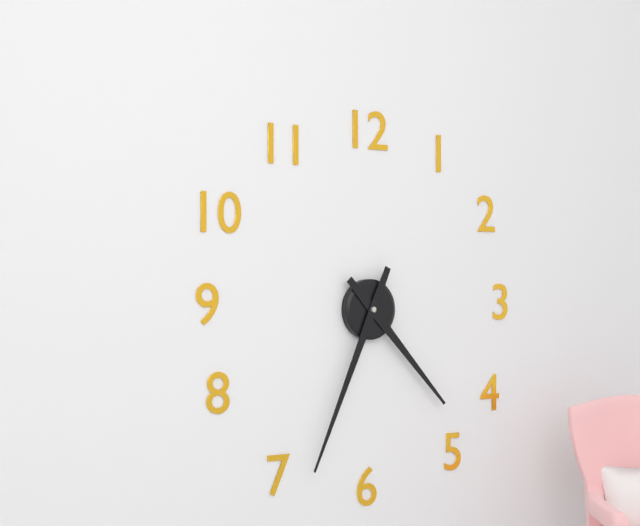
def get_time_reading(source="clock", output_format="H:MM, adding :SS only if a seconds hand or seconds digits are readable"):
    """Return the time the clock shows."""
4:34
